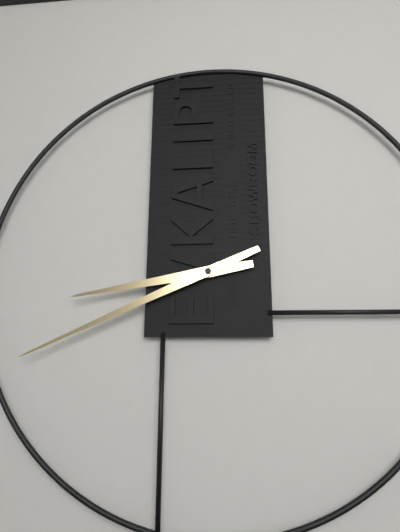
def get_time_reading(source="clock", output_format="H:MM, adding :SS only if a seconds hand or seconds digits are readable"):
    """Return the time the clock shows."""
8:41
